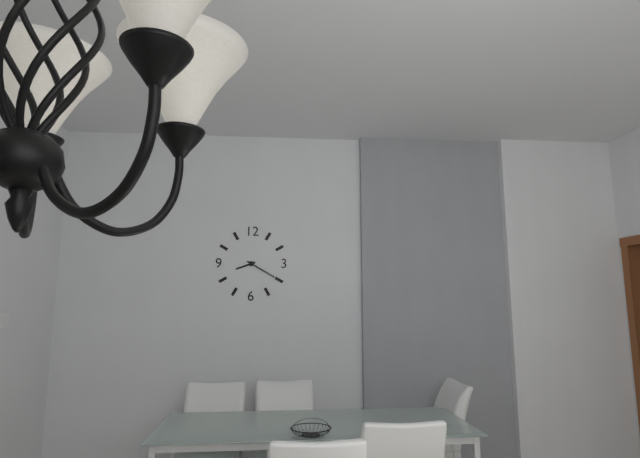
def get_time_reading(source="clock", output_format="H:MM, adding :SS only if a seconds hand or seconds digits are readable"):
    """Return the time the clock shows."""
8:20
